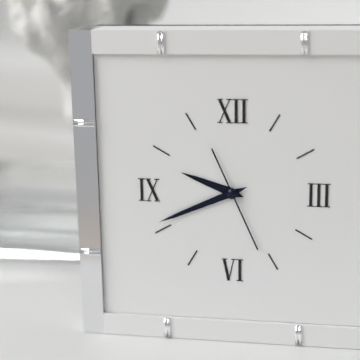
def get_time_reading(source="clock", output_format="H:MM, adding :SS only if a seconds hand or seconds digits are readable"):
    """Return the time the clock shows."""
9:41:26
